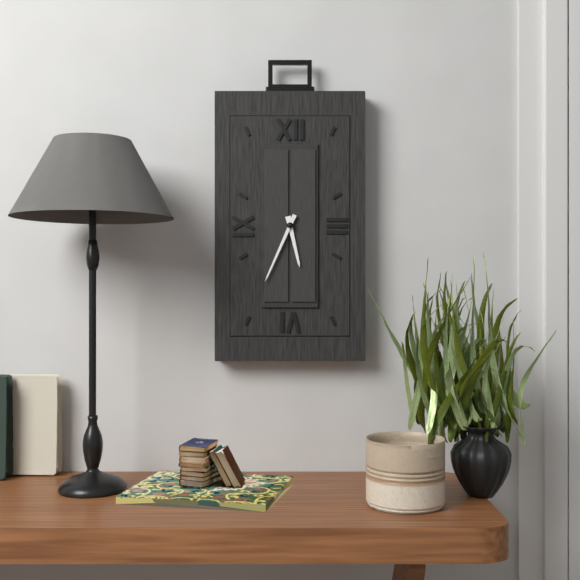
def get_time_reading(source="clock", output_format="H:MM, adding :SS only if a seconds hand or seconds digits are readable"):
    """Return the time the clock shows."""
5:34
